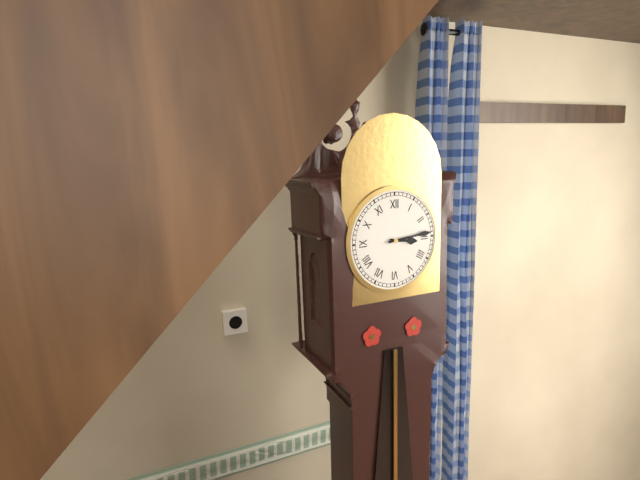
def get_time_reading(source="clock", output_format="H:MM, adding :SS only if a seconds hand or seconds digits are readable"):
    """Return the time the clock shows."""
3:14
